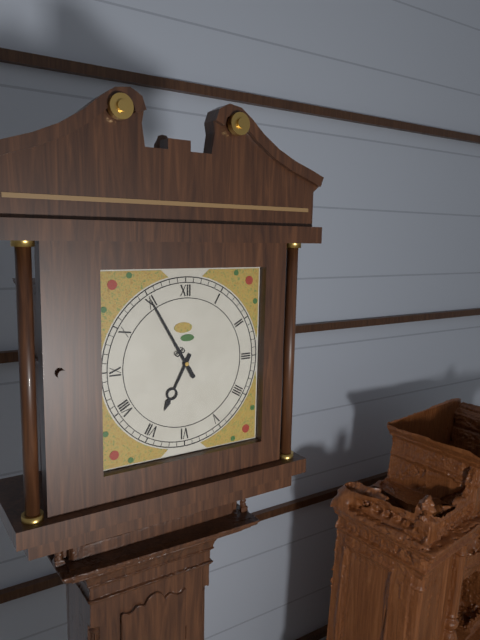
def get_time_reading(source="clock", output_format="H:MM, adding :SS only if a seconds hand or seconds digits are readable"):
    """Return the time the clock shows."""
6:55
